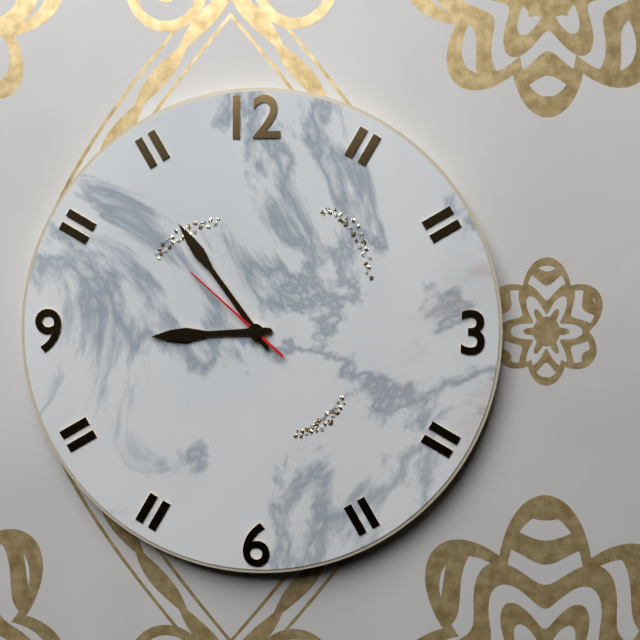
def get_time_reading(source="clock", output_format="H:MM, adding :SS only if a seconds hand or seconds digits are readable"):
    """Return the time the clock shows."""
8:54:52
